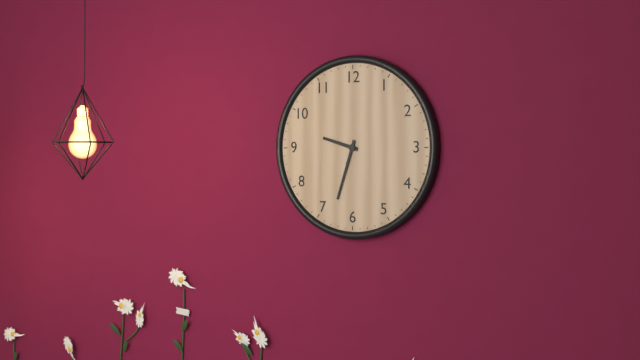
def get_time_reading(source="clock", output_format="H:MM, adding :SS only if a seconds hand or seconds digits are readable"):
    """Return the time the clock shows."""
9:33
